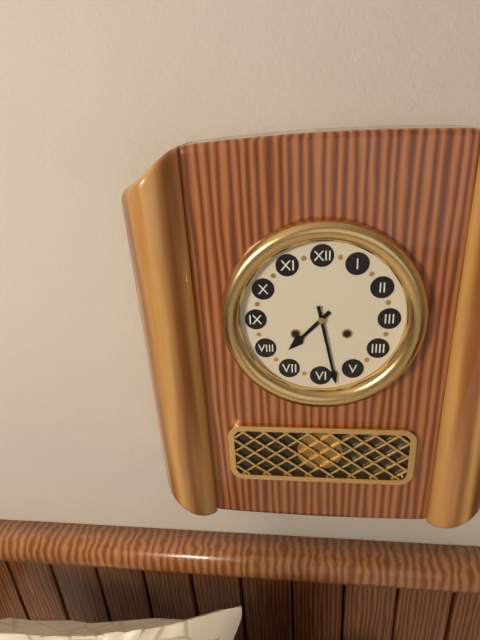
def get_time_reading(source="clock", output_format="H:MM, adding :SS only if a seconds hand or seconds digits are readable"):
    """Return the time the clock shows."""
7:28
